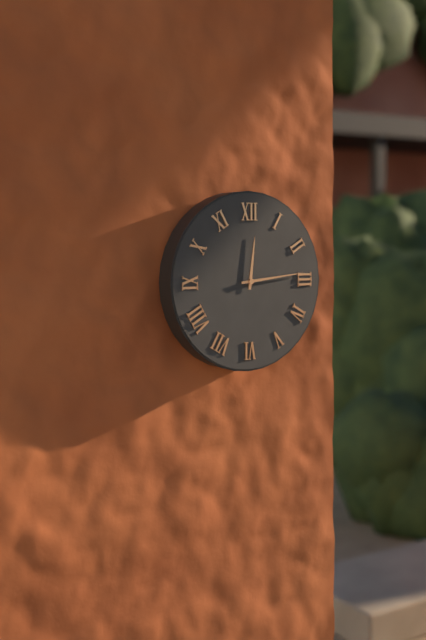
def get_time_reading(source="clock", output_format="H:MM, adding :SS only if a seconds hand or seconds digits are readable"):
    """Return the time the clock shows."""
12:14
